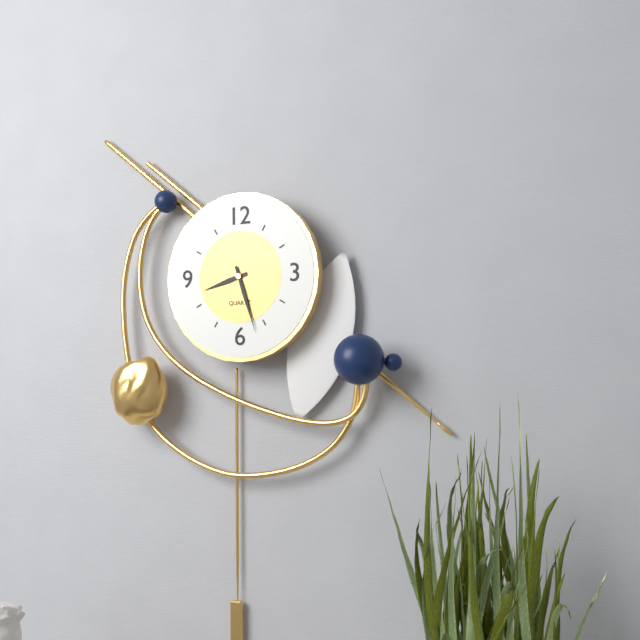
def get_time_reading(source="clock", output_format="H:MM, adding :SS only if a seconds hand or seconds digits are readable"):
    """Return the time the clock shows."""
8:27
